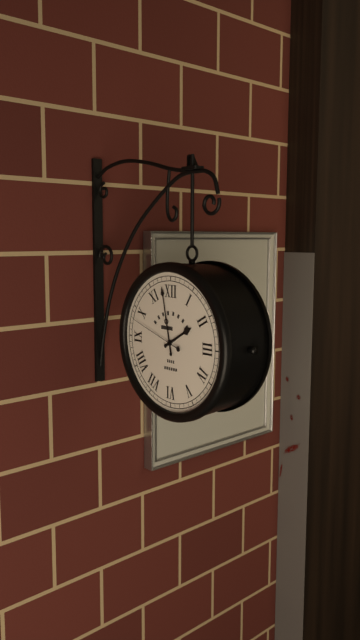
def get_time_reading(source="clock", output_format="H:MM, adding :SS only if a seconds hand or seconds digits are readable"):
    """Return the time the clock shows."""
1:58:48
